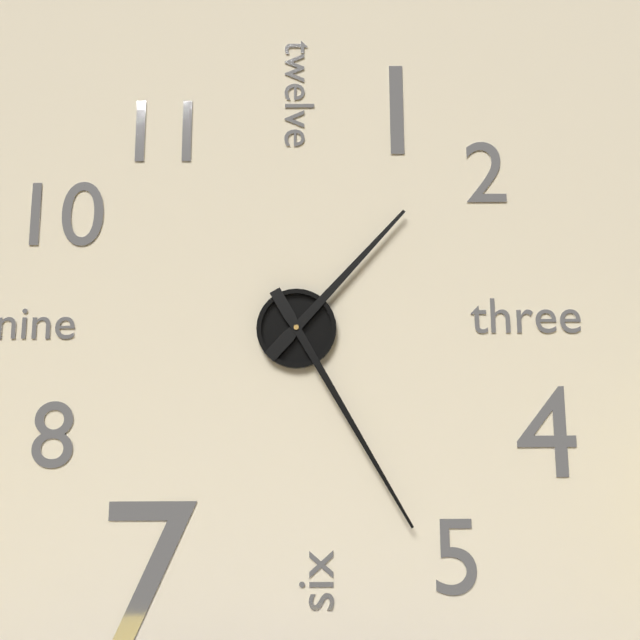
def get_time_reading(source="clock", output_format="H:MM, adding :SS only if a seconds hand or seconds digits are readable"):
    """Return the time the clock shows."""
1:25
